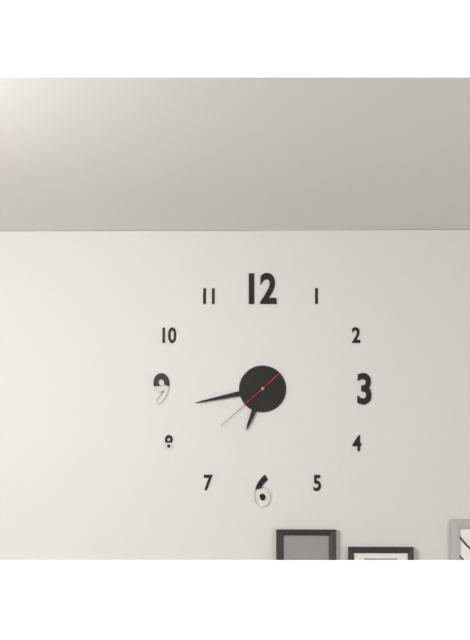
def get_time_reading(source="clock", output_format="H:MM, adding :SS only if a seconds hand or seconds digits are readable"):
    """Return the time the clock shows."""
6:43:38
